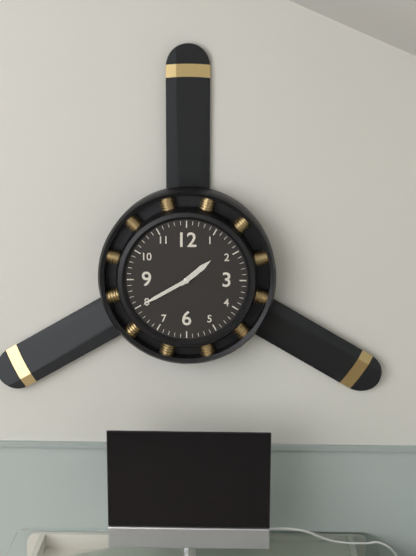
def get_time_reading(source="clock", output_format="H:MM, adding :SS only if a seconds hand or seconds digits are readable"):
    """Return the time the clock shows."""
1:40
